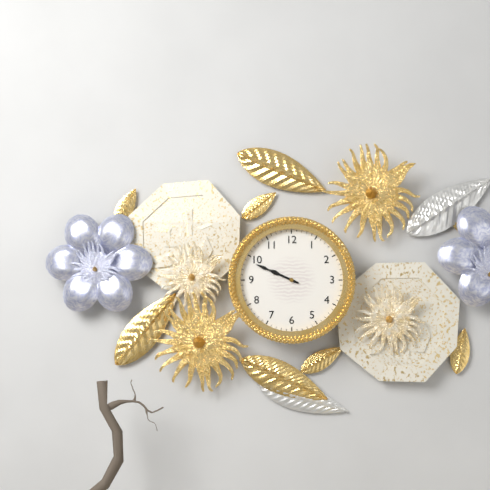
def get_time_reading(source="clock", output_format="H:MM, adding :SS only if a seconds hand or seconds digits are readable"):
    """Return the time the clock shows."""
9:49
